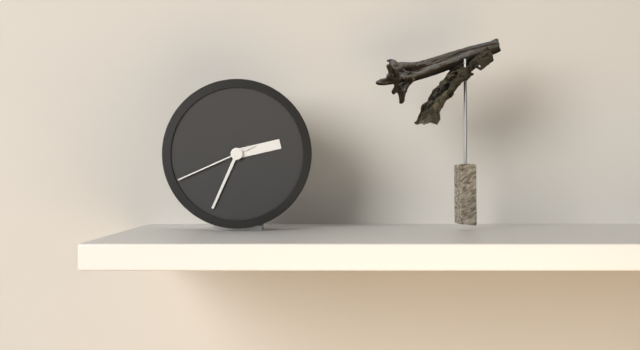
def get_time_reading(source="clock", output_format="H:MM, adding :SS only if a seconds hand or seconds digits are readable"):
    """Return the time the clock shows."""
2:34:41
